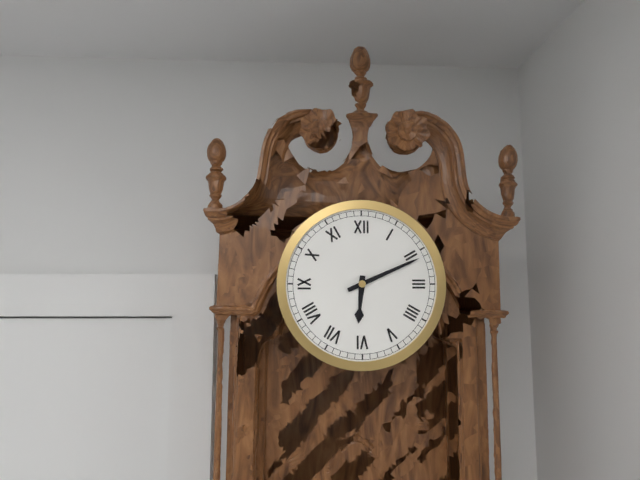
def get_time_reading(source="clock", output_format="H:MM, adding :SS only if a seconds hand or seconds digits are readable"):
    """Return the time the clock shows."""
6:11
